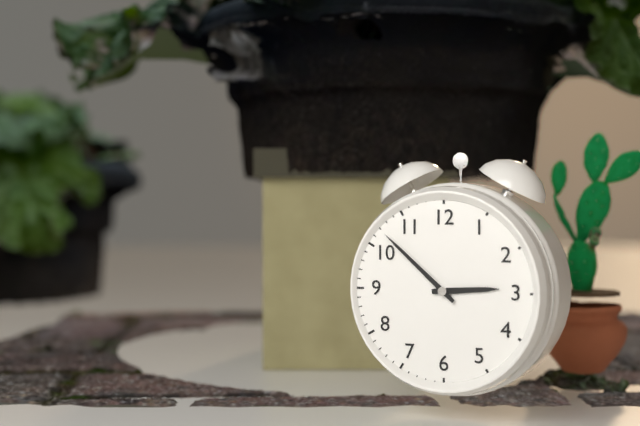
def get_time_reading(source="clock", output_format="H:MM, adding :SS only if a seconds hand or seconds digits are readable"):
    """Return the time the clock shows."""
2:52
